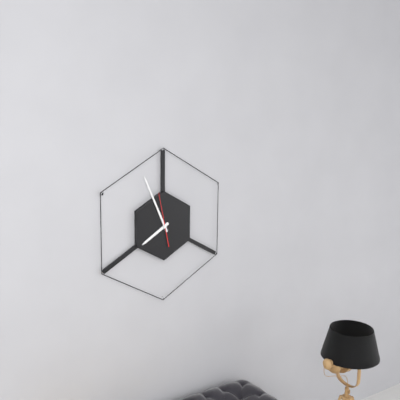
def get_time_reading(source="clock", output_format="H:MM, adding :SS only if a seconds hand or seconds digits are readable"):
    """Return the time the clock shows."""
7:56
